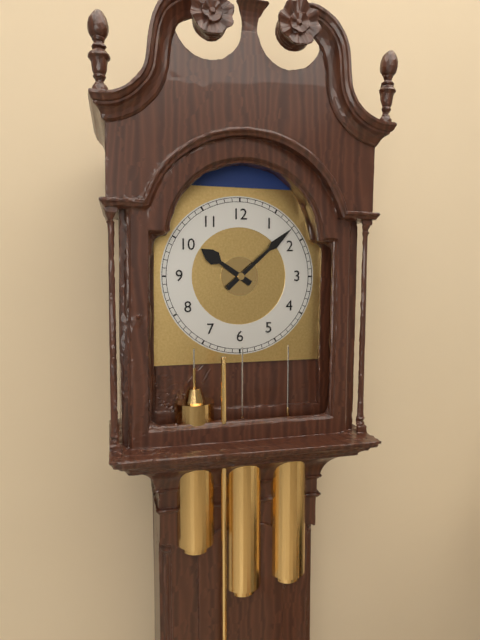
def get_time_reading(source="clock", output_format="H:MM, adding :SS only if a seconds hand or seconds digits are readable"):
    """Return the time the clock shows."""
10:08
